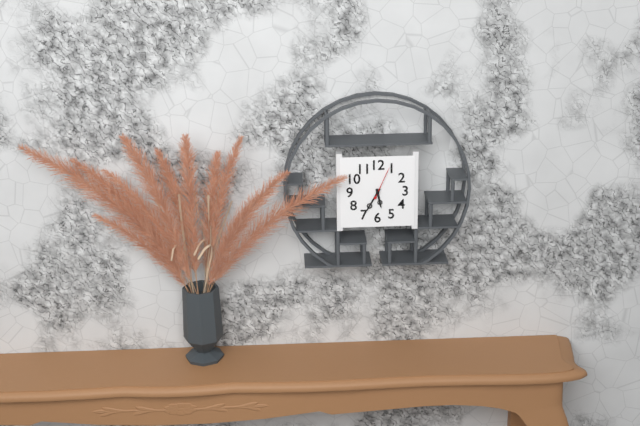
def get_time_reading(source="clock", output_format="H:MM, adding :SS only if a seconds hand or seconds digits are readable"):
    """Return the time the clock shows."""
5:35
